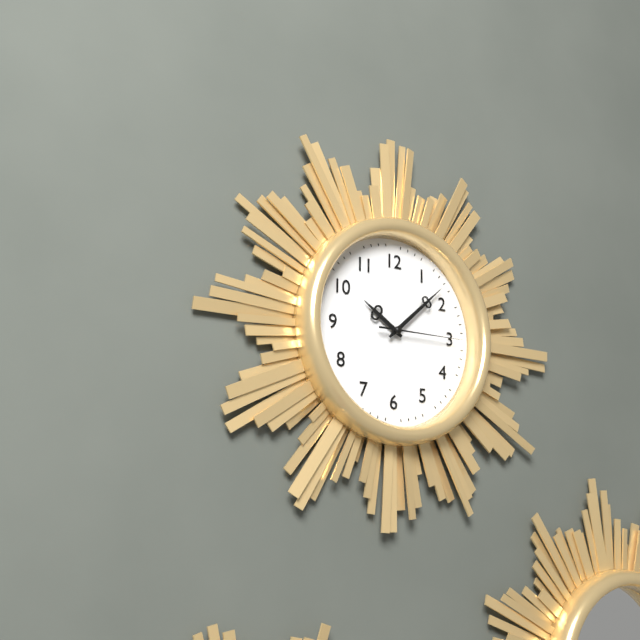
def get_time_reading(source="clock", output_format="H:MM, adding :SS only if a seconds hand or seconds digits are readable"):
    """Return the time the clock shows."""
10:08:15
